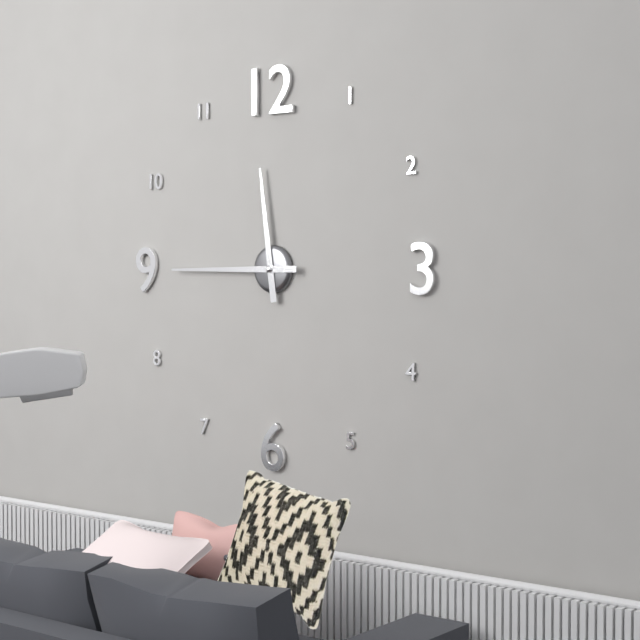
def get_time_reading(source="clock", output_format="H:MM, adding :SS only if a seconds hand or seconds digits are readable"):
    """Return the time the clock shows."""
11:45
